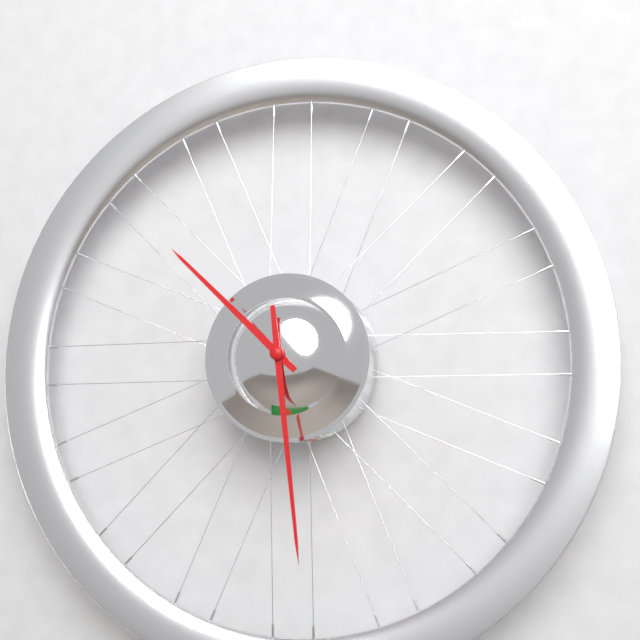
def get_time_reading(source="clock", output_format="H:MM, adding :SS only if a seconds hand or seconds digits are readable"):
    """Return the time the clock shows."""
10:29
